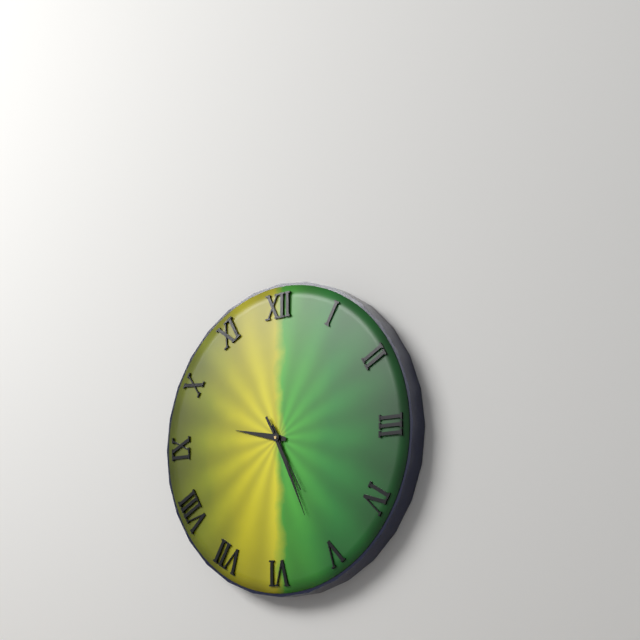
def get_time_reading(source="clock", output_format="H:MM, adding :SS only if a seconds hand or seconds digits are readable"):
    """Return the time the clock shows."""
9:26:25
